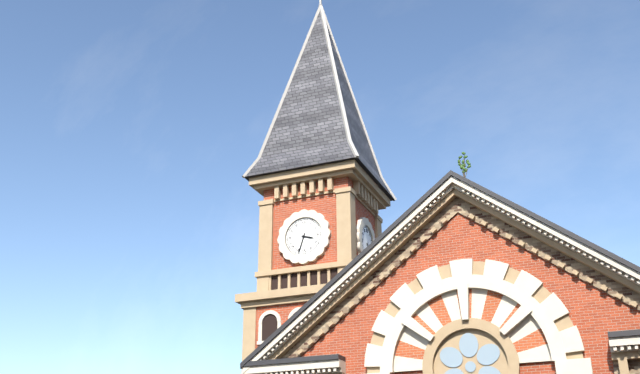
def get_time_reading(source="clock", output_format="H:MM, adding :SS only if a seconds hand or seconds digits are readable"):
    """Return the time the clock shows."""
3:33
